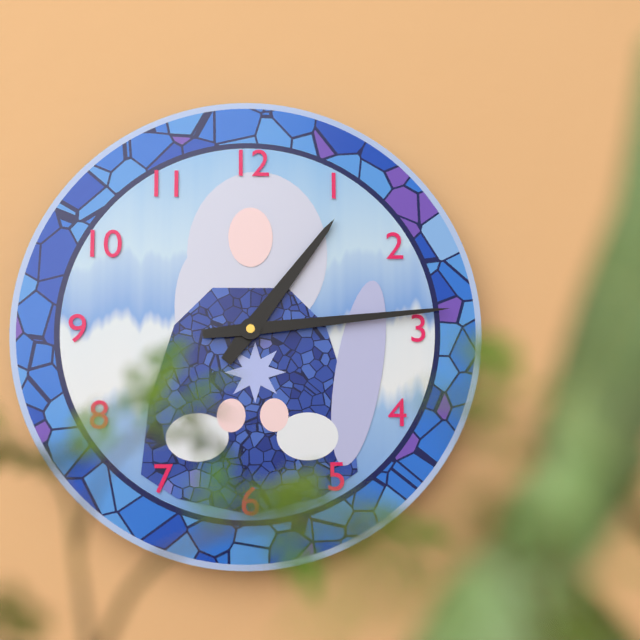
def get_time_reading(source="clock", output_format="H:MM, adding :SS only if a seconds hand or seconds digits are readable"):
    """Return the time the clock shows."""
1:14
